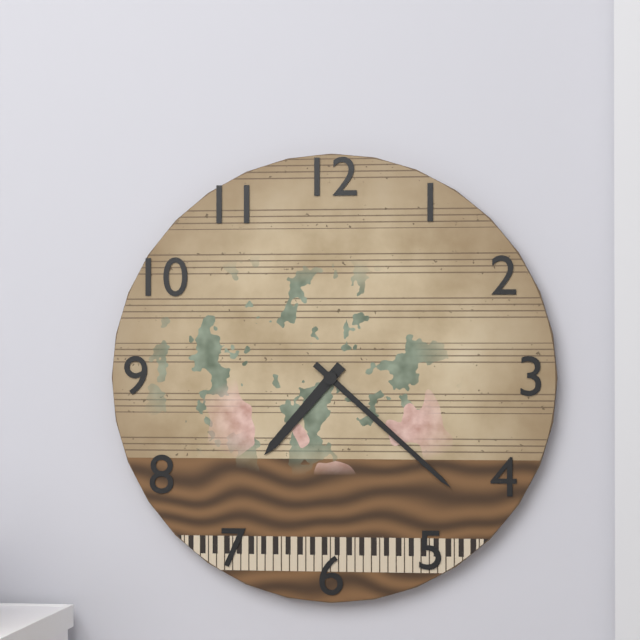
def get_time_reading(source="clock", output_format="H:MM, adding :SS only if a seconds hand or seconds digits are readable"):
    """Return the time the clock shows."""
7:22
